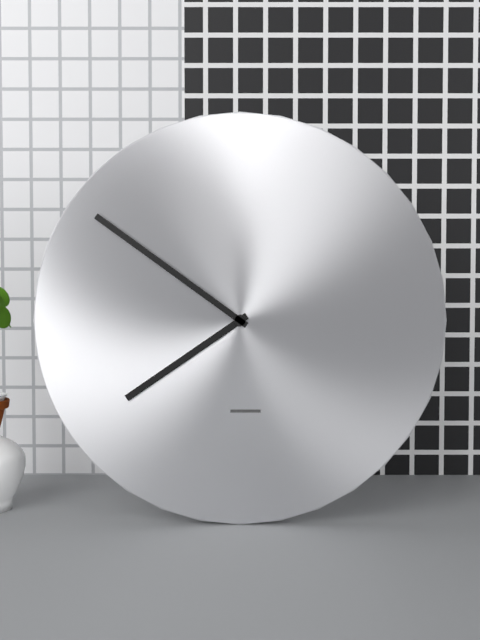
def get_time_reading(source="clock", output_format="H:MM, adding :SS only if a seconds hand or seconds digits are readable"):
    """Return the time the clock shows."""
7:51
